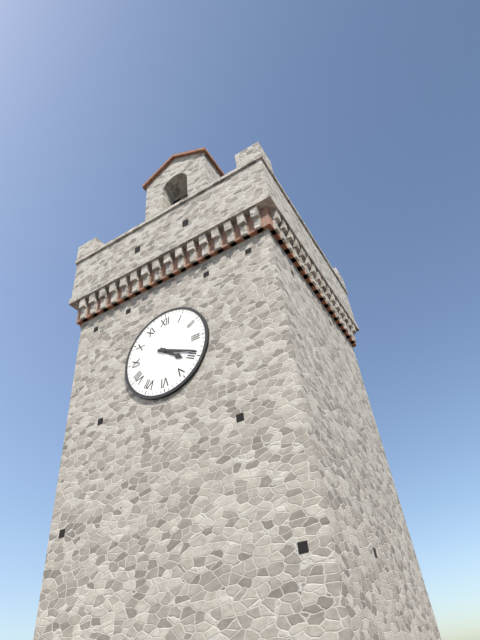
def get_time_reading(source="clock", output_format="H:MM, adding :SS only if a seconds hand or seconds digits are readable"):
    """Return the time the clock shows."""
4:19
